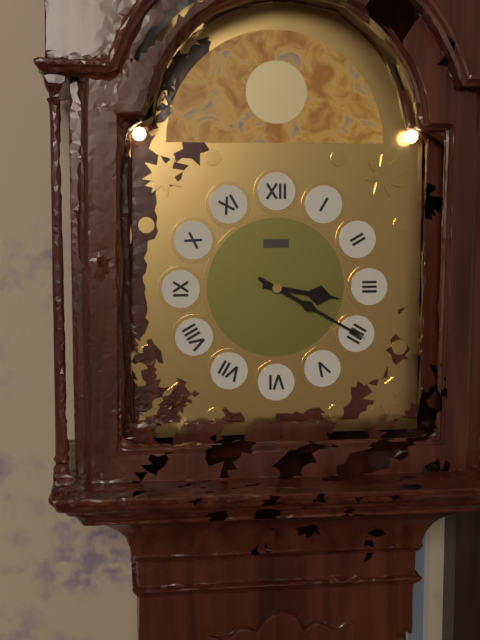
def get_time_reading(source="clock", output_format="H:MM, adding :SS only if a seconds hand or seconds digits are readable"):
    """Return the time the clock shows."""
3:20
